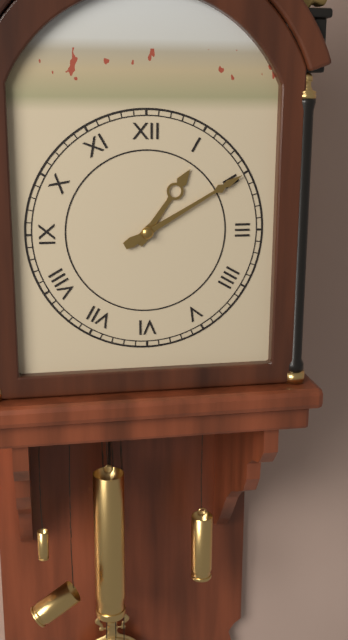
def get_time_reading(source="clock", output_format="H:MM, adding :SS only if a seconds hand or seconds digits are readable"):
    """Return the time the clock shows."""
1:10
